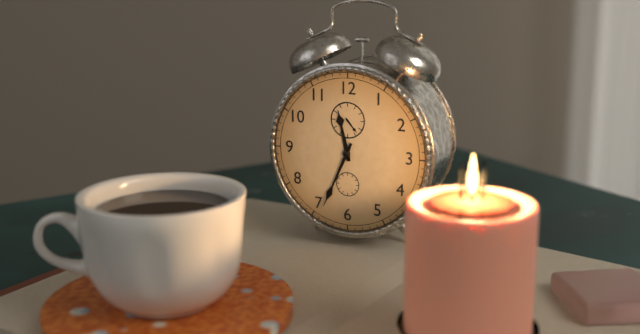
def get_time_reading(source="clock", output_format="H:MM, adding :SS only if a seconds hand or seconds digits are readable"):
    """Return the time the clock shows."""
11:34
